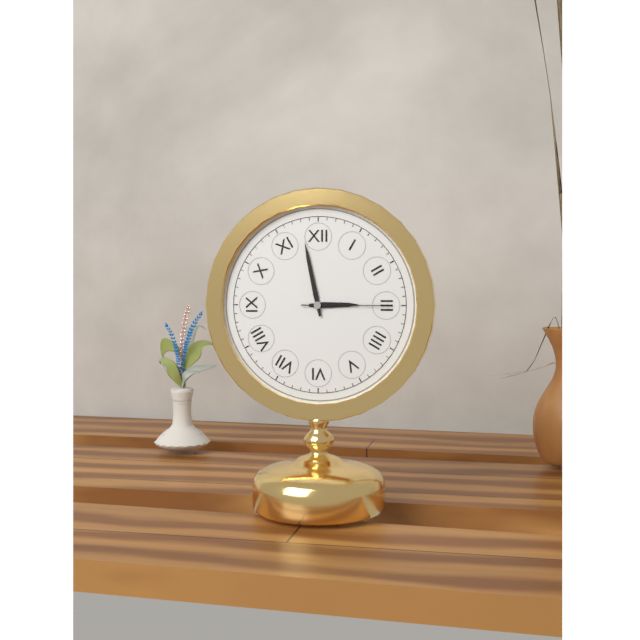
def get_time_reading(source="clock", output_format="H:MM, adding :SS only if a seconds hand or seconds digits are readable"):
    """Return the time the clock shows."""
2:58:15
